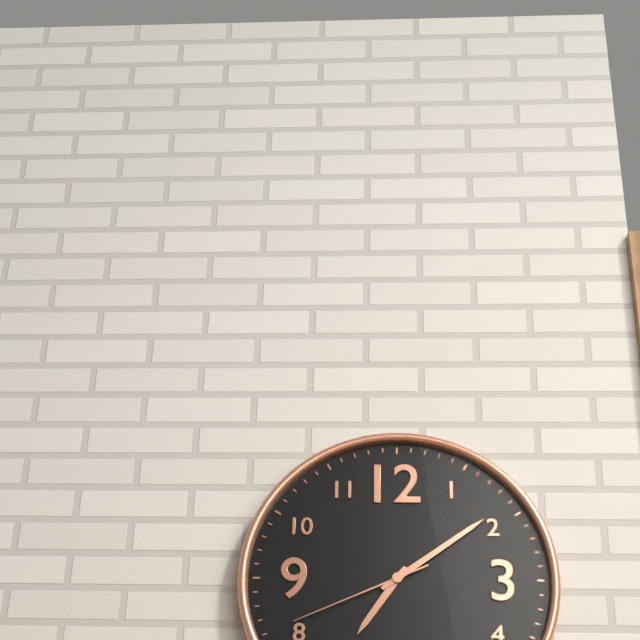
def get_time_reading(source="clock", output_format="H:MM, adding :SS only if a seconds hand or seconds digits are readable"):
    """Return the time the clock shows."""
7:09:41
